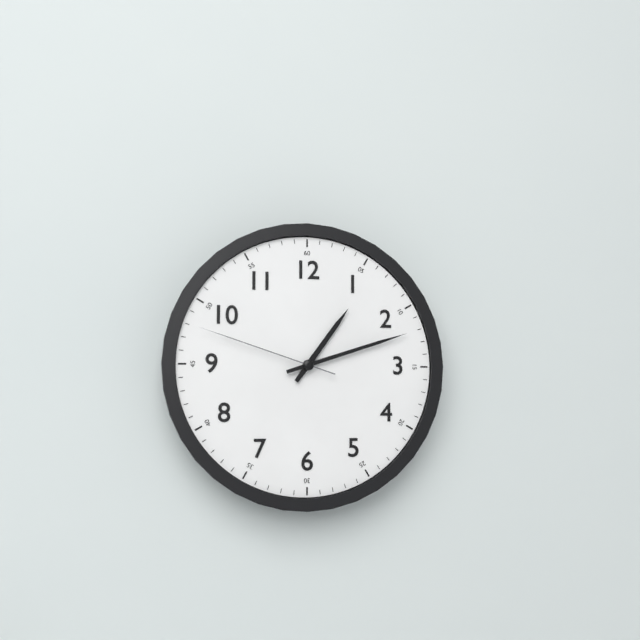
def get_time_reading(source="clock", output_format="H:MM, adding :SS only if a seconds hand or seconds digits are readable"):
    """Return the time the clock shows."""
1:12:48
